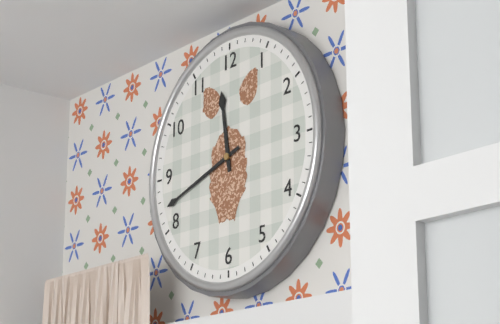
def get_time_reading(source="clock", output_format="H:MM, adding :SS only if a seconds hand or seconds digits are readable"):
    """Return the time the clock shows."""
11:42
